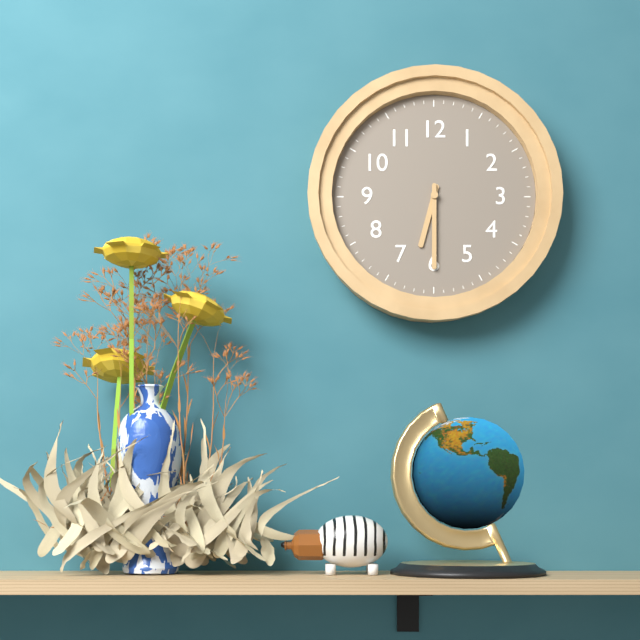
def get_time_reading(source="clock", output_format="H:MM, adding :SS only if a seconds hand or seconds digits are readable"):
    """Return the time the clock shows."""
6:30
